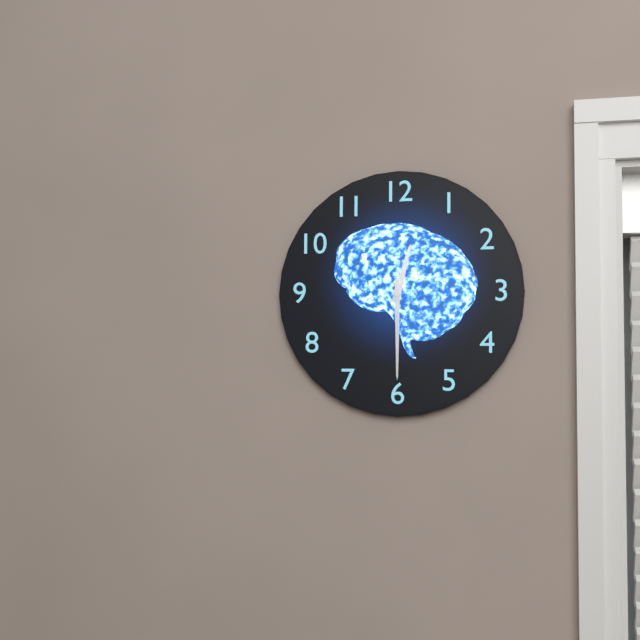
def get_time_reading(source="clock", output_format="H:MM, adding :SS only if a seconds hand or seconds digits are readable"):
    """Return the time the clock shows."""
12:30
